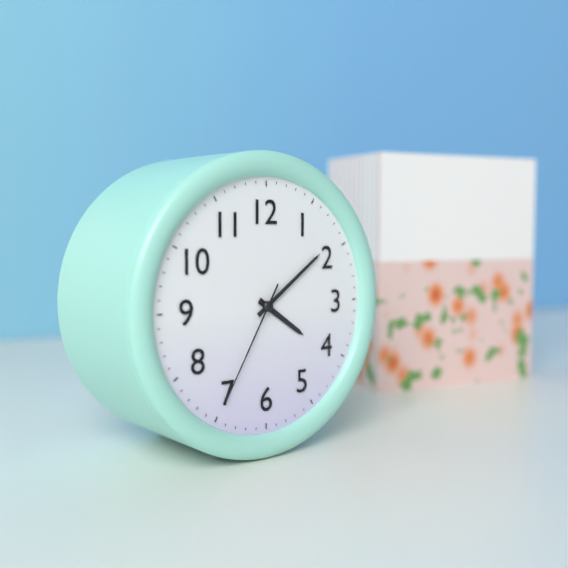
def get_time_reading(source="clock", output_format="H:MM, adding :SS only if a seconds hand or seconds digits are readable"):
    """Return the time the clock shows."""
4:09:35
